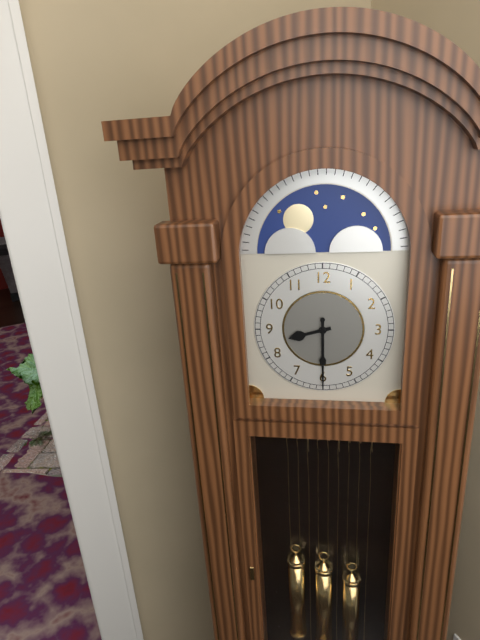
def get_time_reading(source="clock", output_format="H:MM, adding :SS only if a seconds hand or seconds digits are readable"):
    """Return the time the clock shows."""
8:30
